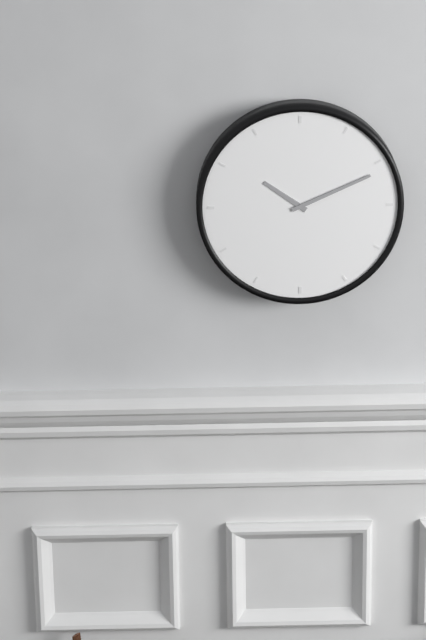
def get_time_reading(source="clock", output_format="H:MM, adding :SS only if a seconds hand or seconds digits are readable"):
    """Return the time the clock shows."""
10:11
